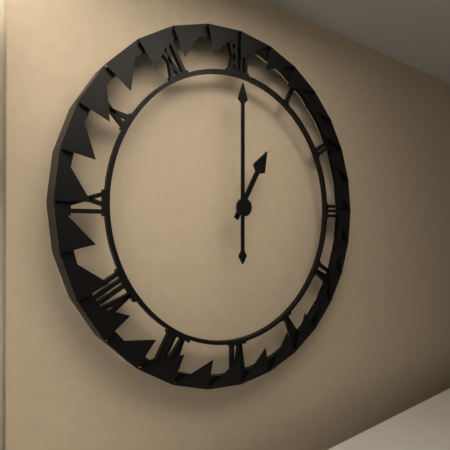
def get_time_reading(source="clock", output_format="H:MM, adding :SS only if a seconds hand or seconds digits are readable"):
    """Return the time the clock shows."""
1:00
